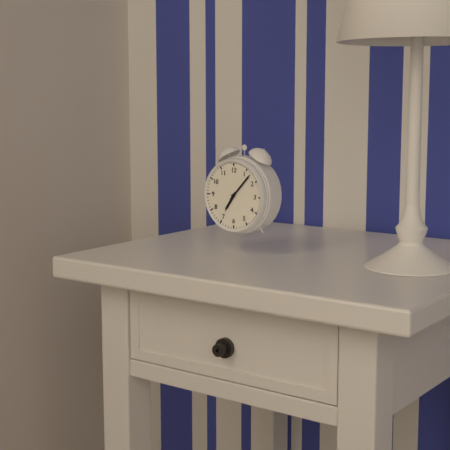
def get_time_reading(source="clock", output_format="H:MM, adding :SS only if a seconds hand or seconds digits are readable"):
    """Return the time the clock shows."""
7:07
